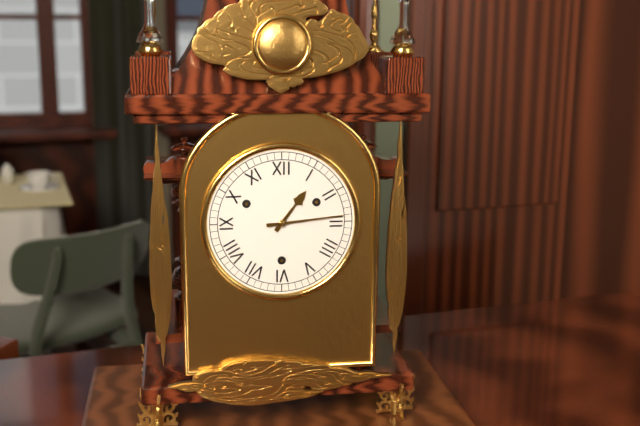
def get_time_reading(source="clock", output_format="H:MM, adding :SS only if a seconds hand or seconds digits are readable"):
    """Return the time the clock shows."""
1:14
